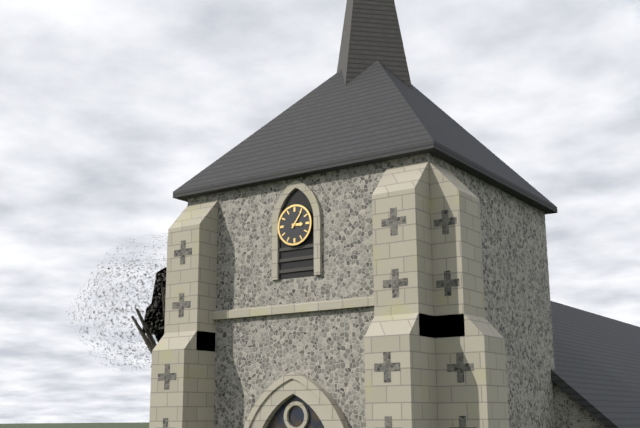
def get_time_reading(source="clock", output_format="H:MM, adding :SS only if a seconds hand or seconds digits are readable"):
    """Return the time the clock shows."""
3:06
